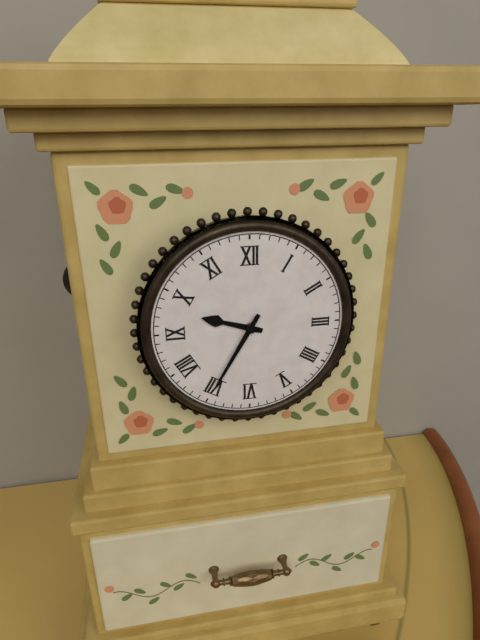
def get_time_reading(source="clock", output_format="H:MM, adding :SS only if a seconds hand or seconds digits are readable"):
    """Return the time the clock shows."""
9:35
